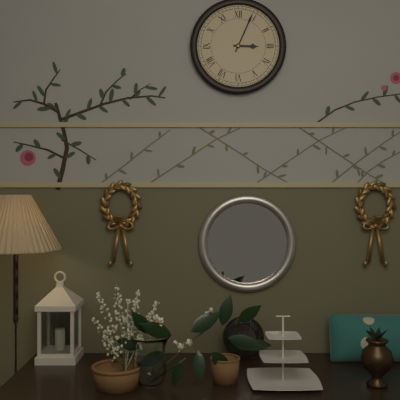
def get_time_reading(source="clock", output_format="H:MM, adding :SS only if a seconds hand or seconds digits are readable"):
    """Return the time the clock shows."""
3:04
